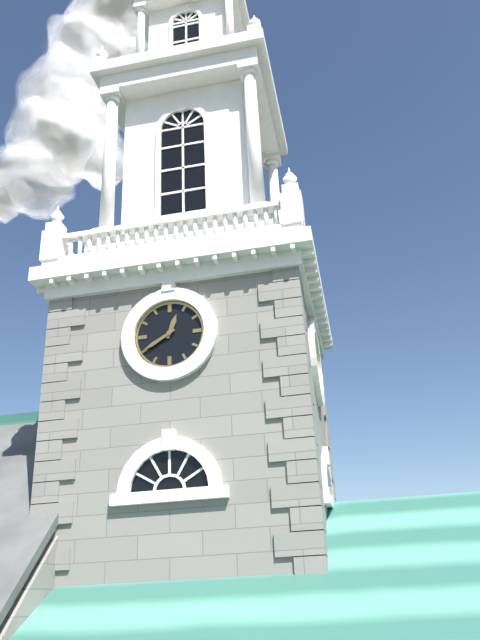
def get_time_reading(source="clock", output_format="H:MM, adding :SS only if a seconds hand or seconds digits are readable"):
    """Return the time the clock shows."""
12:40
